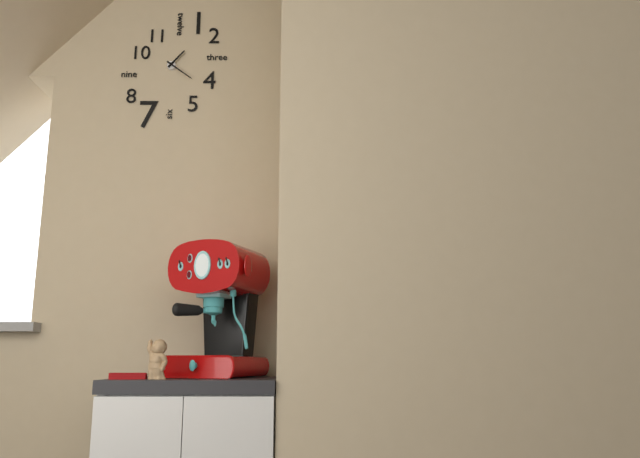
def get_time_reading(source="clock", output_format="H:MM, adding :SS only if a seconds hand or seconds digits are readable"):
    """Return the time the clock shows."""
1:21
